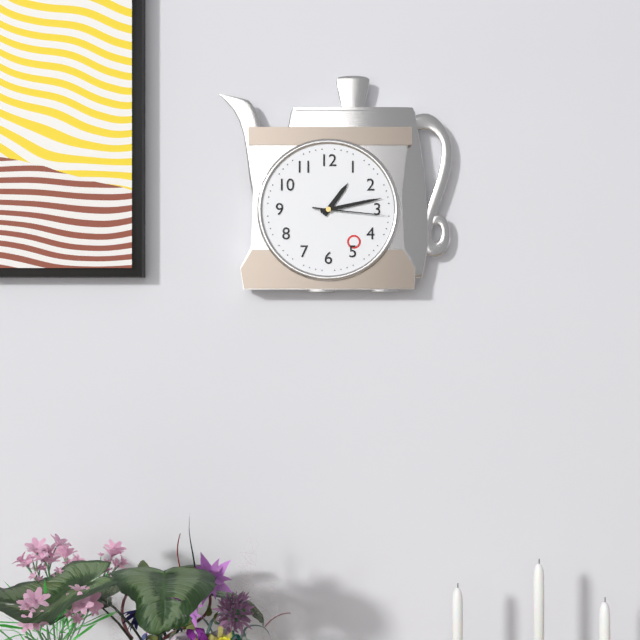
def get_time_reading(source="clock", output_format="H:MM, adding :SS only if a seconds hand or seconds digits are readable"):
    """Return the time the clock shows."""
1:13:16
